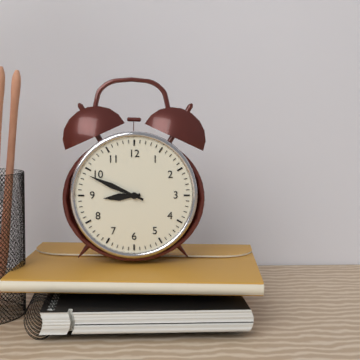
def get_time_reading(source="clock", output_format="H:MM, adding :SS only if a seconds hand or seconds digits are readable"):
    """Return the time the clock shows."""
8:49
